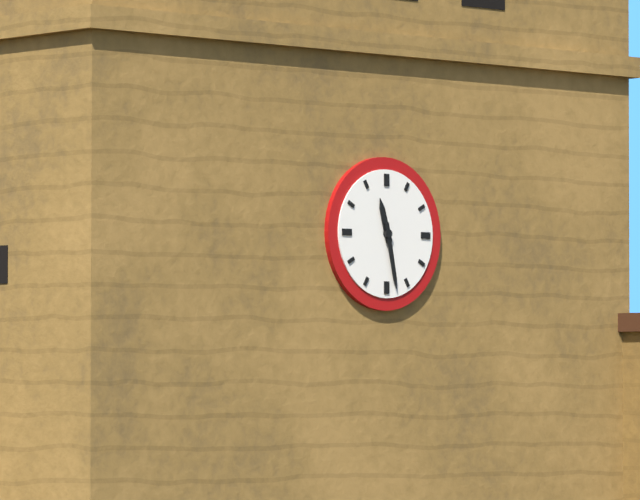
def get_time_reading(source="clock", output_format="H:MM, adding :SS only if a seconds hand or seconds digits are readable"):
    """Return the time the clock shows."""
11:28
